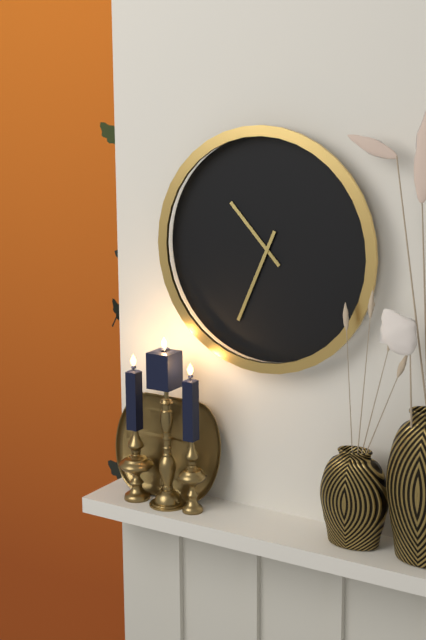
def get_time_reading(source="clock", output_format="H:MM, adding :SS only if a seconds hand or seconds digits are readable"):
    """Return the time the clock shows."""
10:34
